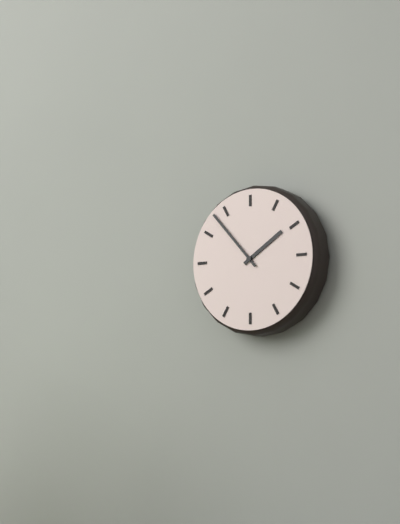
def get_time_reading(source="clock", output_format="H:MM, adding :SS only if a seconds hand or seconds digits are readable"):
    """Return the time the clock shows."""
1:53
